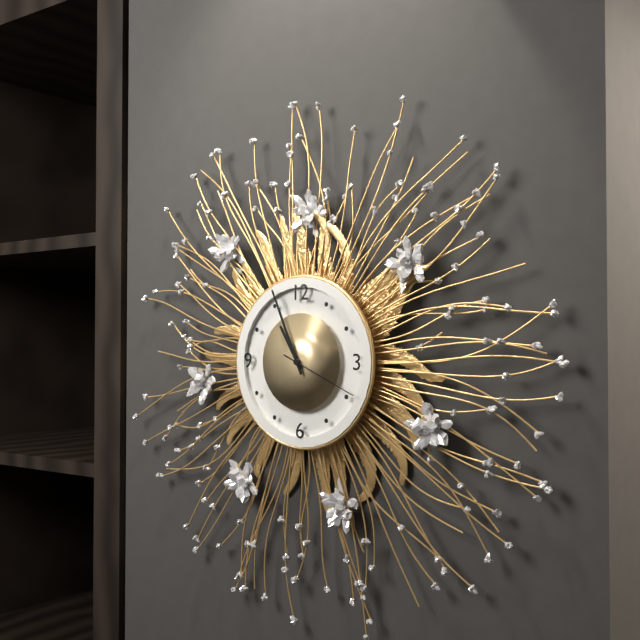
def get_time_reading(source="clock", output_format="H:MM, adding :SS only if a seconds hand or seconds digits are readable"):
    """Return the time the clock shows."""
10:56:19
